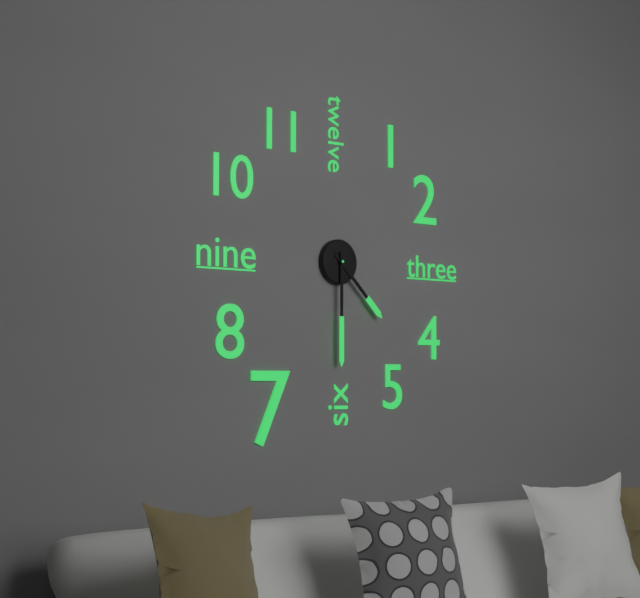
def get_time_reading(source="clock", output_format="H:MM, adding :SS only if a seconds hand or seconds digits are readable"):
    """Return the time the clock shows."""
4:30
